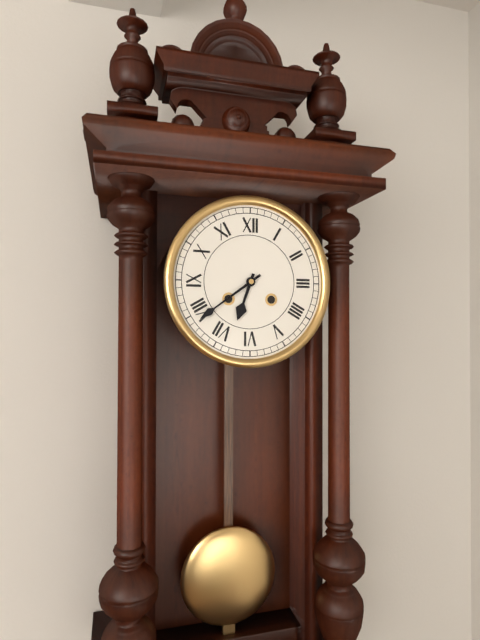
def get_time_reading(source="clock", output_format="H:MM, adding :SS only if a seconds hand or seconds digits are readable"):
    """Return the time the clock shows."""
6:39
